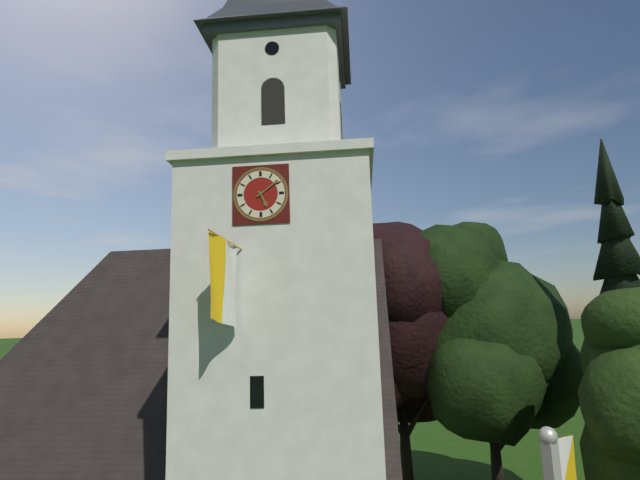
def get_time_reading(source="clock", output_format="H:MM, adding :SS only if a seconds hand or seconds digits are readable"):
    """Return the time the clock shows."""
5:09
